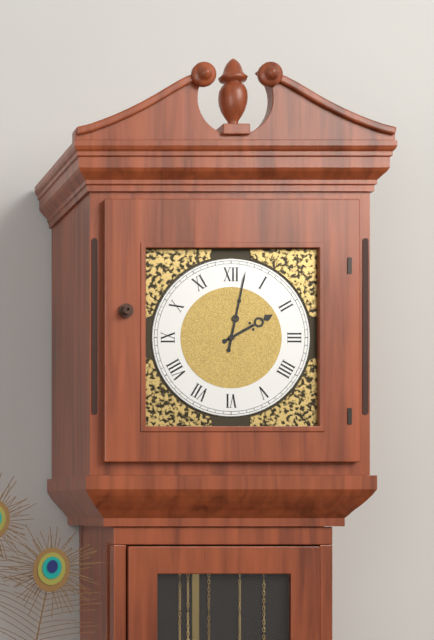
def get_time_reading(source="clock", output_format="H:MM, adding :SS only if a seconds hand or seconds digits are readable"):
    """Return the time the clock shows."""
2:02
